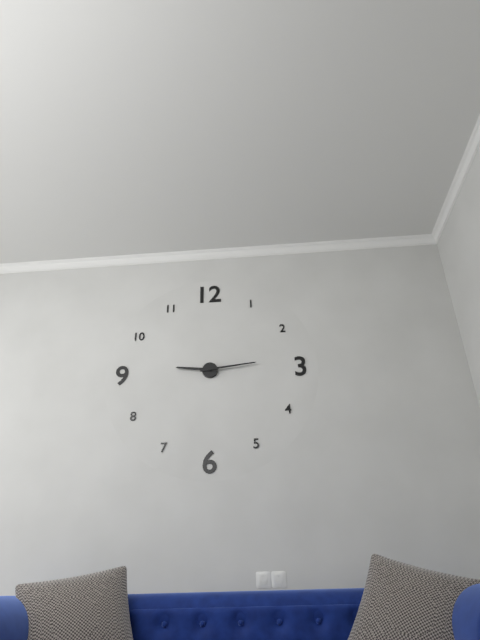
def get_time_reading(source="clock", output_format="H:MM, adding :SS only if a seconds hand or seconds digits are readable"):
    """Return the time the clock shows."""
9:14
